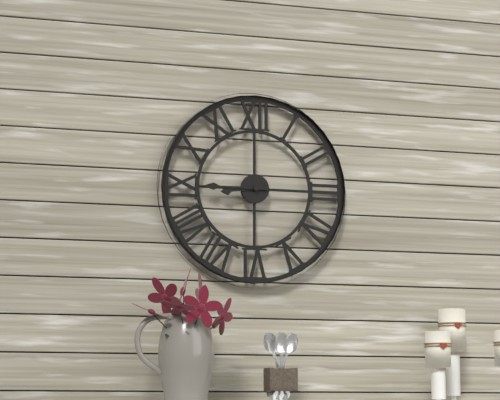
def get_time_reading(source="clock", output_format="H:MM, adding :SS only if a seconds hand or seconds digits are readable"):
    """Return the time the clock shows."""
8:45
